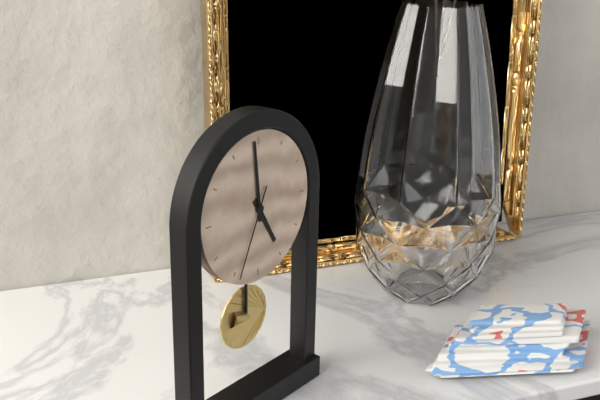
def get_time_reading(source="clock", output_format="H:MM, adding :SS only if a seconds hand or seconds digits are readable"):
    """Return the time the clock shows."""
4:59:34
